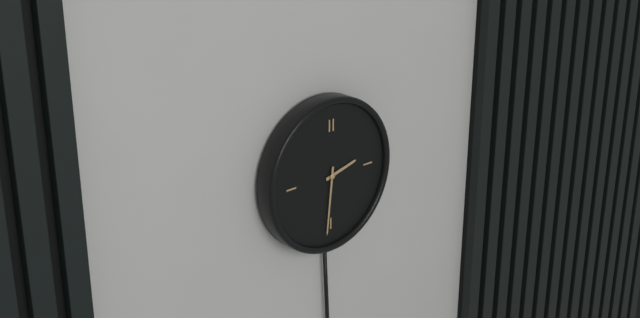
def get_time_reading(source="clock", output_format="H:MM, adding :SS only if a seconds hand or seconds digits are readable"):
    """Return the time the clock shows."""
2:31
